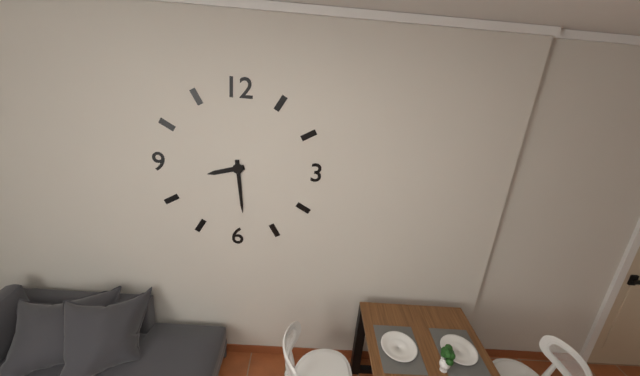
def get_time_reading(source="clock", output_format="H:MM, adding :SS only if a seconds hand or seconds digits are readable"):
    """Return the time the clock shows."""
8:29
